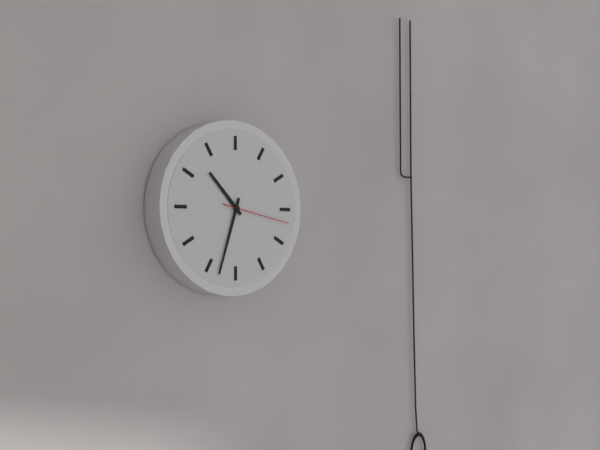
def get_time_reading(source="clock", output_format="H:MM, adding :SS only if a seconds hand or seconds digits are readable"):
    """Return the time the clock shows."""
10:33:17
